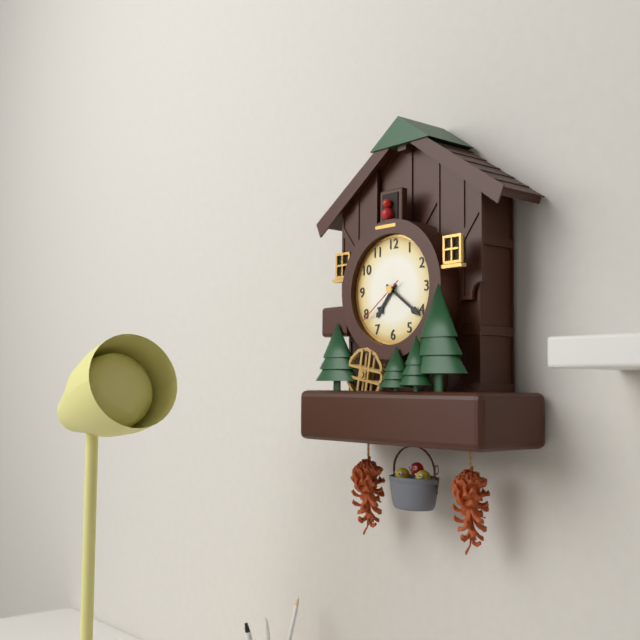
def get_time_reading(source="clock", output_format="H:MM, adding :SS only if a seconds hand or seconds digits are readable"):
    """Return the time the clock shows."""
7:21:39
